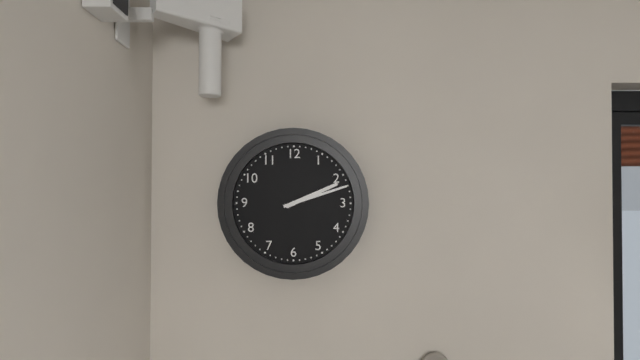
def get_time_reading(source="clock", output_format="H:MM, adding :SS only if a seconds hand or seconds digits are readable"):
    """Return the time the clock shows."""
2:12
